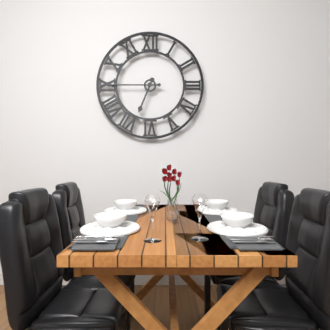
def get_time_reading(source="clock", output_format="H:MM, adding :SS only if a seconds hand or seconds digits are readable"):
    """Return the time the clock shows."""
6:45
